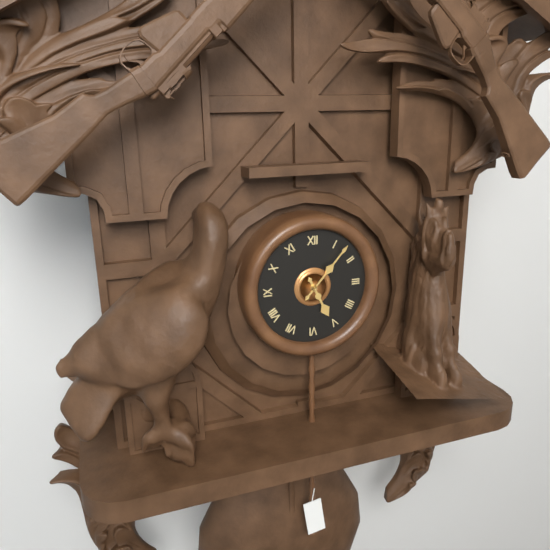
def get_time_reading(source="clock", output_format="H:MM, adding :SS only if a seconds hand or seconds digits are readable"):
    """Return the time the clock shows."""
5:07
